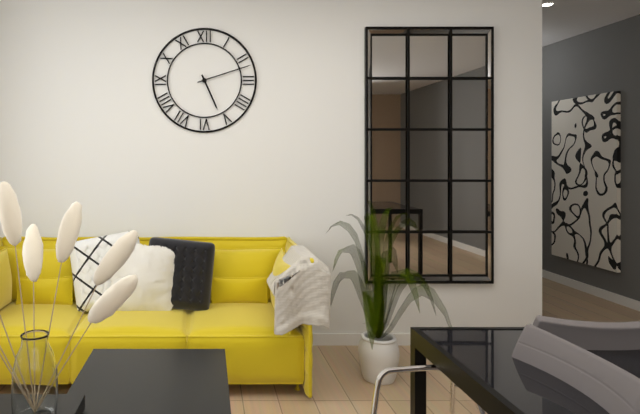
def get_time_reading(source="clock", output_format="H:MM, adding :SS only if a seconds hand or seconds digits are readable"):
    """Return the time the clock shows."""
5:12
